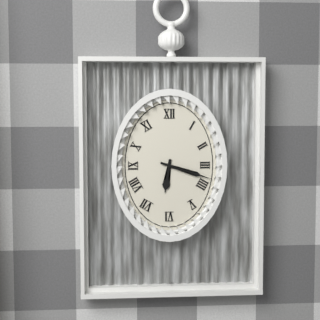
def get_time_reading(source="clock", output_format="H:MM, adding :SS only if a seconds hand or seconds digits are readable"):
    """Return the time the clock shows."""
6:18
